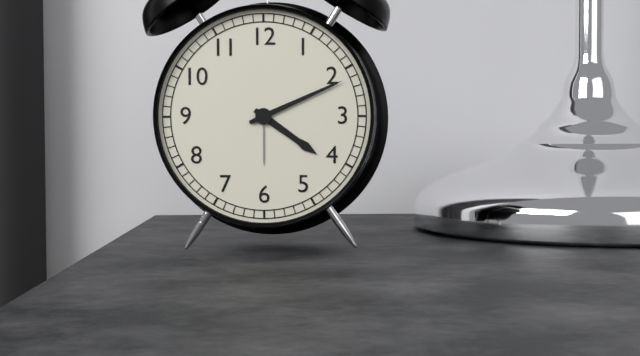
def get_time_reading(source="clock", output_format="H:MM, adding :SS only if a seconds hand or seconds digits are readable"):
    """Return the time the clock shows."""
4:11
